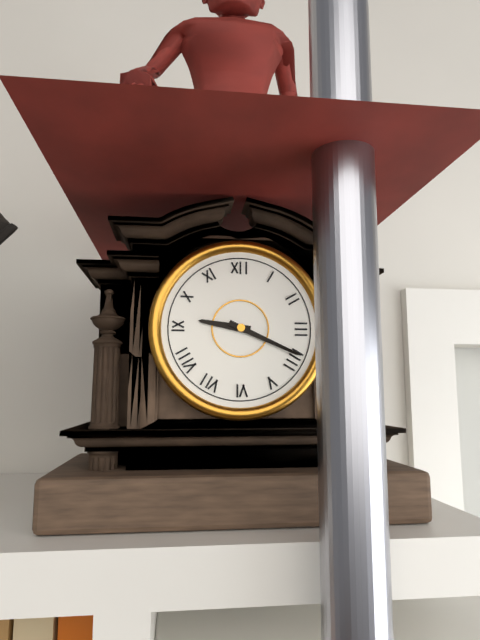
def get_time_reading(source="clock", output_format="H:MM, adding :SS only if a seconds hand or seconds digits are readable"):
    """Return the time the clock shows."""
9:19
